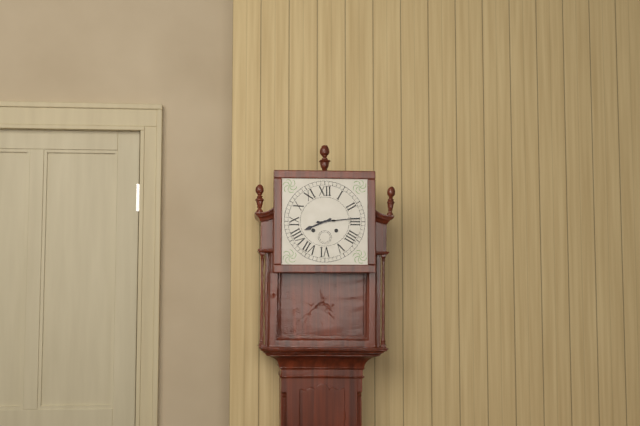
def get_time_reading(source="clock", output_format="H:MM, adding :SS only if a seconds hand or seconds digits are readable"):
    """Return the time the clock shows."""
8:14
